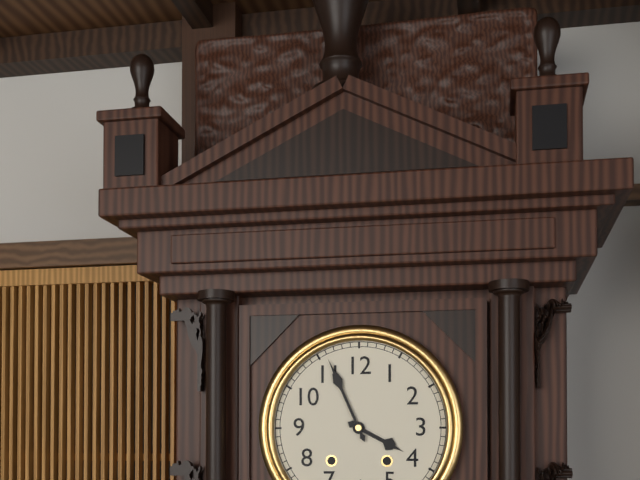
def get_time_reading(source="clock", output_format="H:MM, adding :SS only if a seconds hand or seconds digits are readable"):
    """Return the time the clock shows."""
3:56
